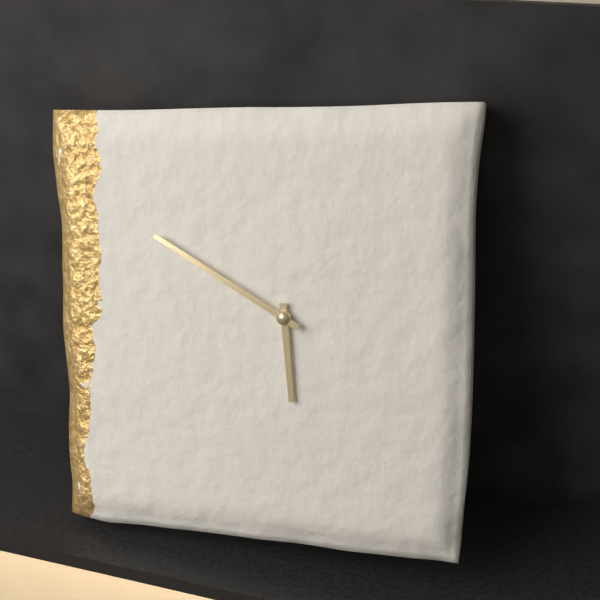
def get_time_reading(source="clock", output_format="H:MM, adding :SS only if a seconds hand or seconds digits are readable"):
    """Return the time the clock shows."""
5:50
